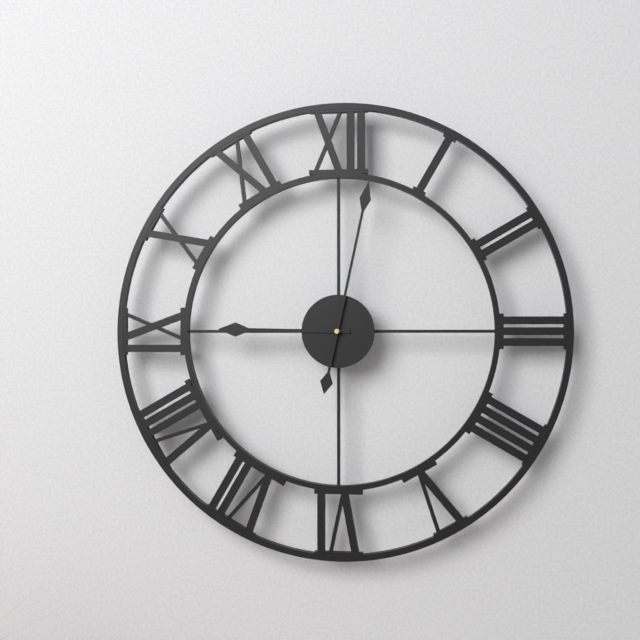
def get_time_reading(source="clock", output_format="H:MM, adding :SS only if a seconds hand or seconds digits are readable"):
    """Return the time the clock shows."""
9:02
